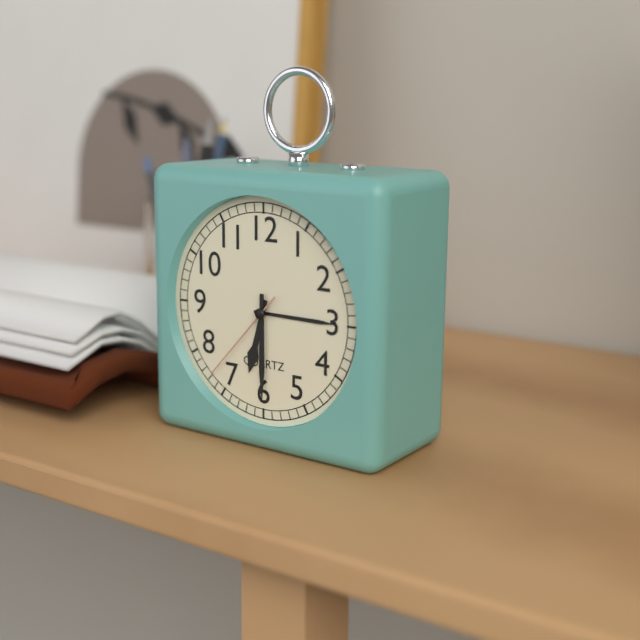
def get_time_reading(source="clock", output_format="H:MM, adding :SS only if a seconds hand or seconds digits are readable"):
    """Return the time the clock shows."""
6:30:37
